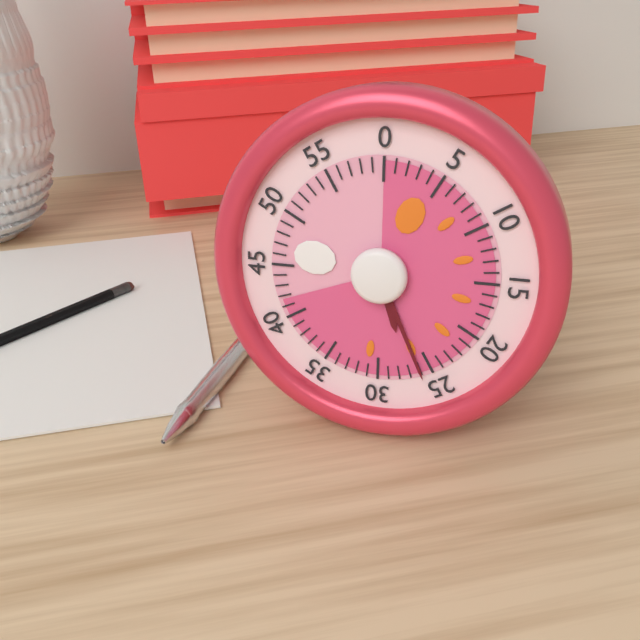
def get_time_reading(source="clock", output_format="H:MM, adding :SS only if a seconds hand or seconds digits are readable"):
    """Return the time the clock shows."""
5:26
